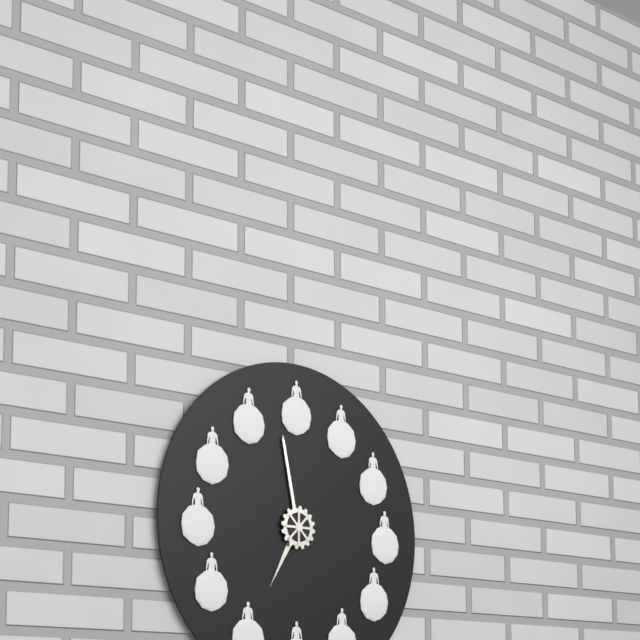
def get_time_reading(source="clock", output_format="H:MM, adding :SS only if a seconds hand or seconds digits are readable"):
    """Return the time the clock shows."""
6:58
